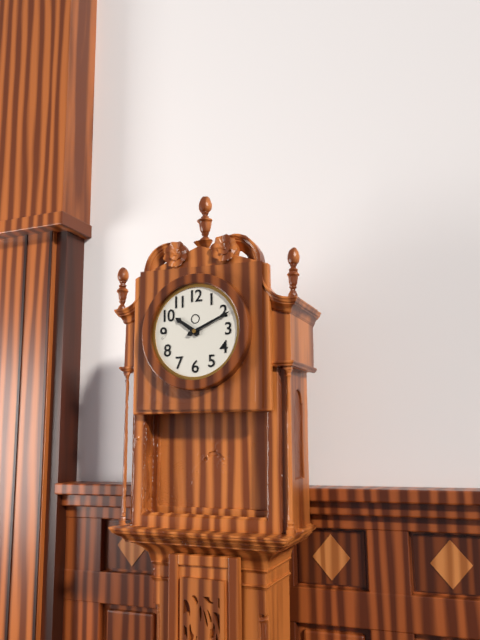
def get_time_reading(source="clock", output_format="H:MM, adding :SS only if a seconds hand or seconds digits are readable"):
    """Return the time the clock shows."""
10:11
